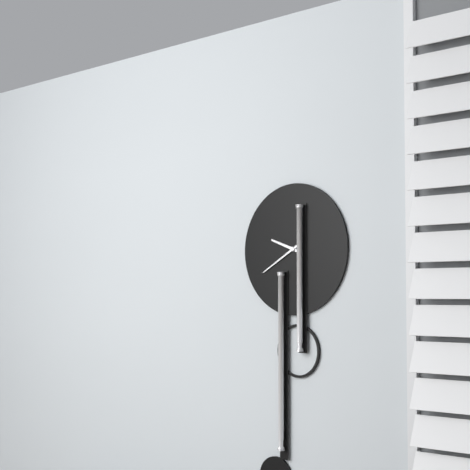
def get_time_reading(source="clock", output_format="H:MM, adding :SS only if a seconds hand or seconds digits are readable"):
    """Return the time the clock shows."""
9:40
